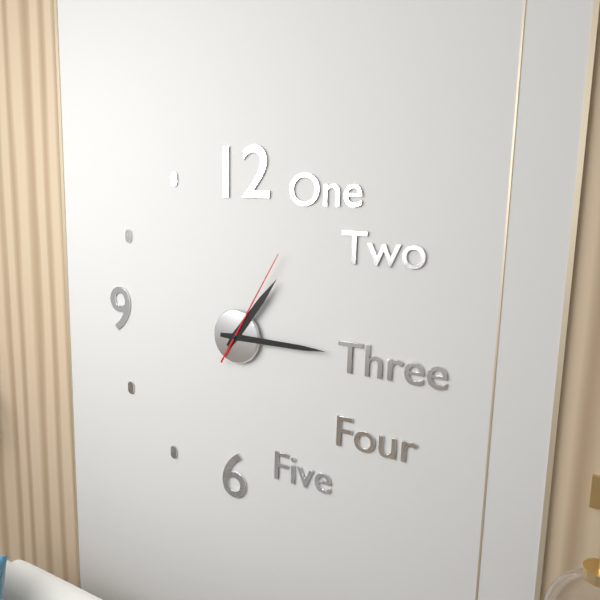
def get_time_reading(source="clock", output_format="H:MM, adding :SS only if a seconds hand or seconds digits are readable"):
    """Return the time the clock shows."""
1:15:05
